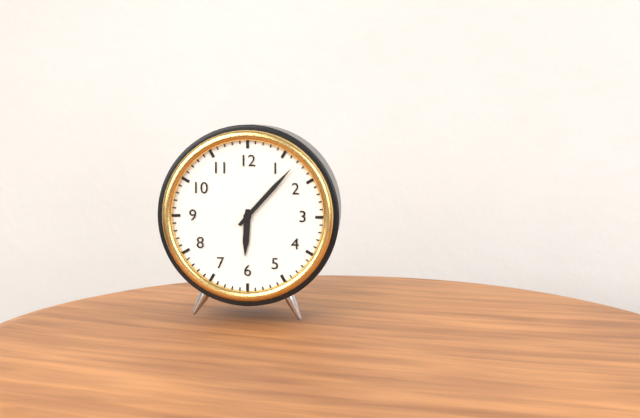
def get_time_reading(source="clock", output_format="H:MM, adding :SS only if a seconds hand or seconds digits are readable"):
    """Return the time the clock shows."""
6:07
